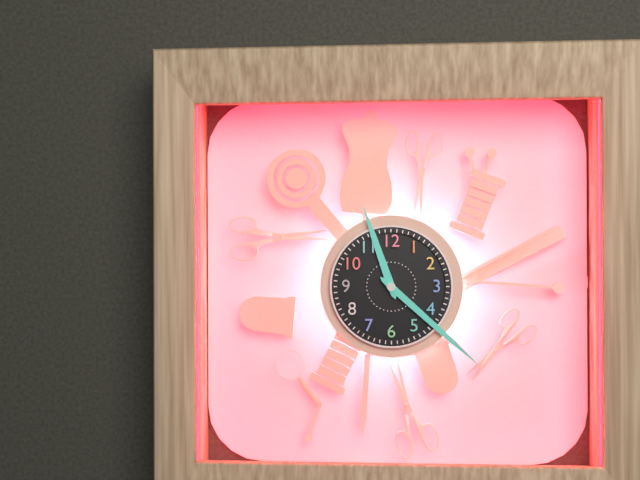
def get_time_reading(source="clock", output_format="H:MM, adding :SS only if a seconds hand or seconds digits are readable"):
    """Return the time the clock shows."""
11:22
